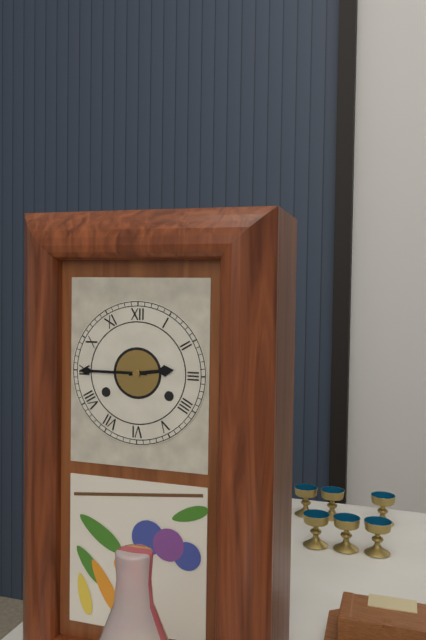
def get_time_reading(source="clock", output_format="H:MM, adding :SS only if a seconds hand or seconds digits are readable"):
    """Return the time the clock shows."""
2:45
